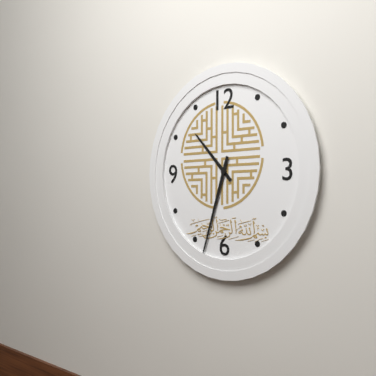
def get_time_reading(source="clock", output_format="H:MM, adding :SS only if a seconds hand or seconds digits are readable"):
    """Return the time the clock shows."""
10:33
